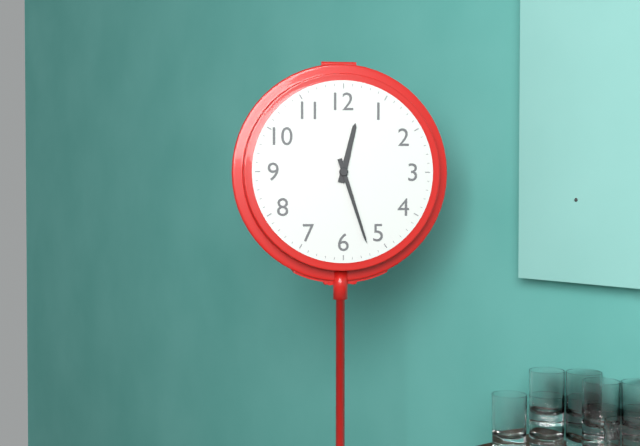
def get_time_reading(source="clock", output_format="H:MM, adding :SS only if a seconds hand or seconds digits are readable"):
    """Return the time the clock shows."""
12:27
